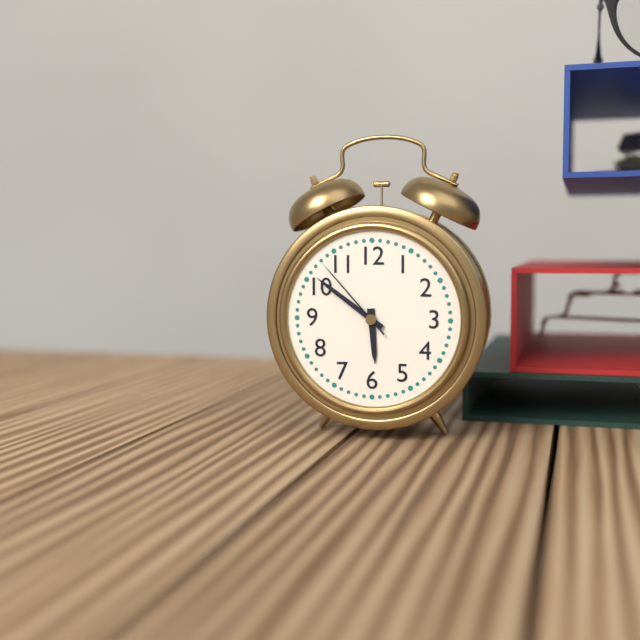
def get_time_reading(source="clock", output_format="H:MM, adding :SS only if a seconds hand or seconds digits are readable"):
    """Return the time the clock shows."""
5:51:53
